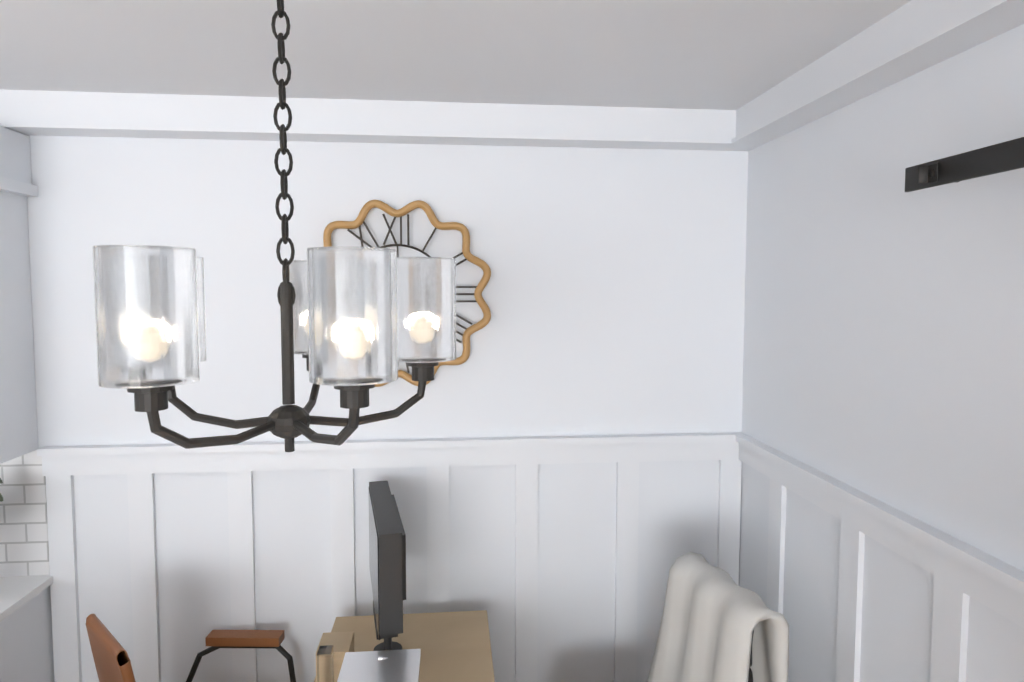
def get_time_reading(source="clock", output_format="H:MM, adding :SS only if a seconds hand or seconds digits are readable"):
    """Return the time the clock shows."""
7:31
